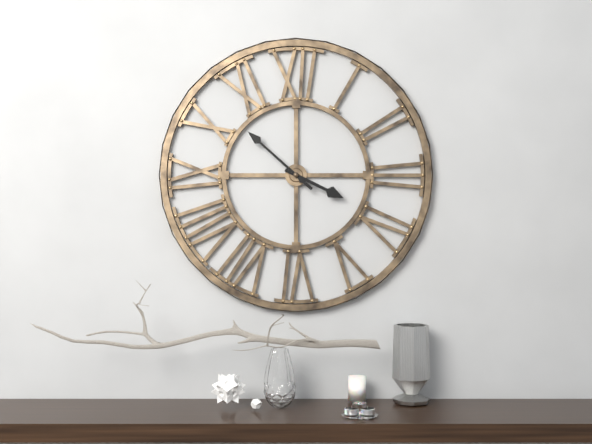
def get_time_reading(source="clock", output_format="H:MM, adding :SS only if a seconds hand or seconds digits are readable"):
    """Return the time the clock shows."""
3:52
